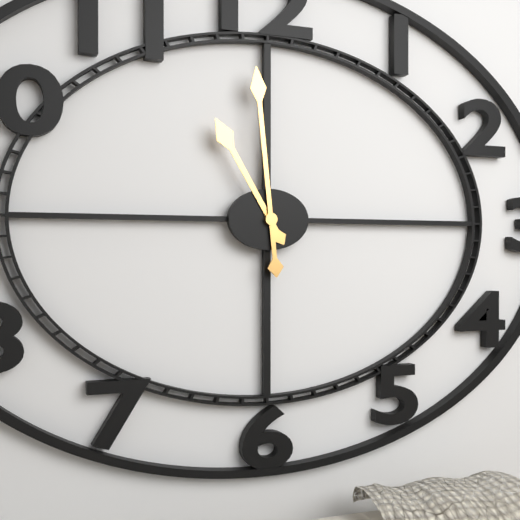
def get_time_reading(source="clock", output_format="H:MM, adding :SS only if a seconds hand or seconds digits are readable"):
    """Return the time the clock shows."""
10:59
